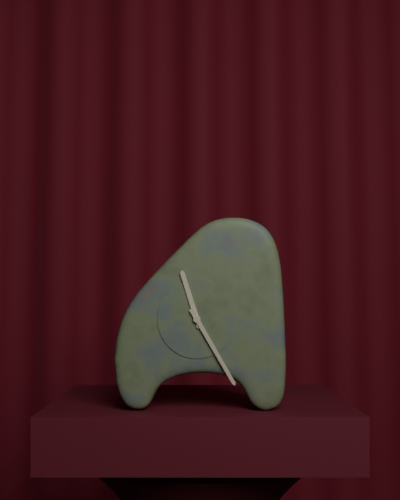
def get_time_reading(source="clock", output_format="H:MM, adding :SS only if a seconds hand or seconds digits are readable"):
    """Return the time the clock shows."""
11:25
